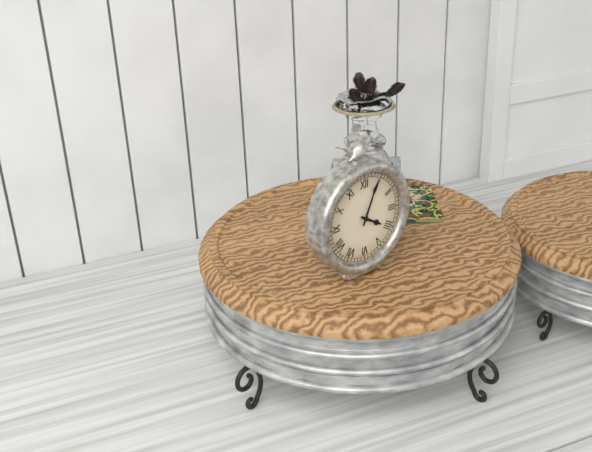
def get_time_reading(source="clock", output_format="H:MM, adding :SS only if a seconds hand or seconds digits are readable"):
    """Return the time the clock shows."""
4:04
